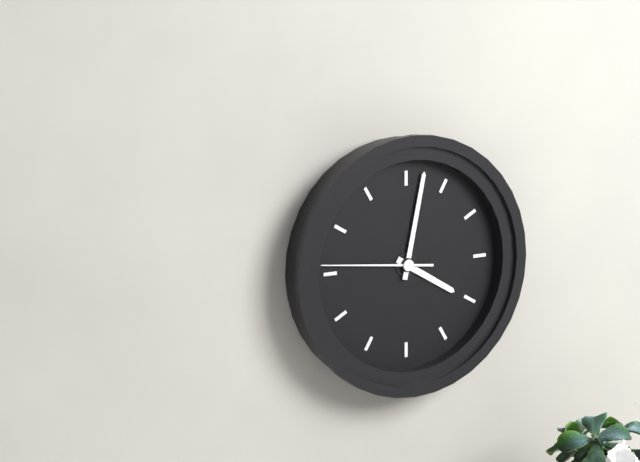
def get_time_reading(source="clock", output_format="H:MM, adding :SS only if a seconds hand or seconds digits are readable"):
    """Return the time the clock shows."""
4:02:46
